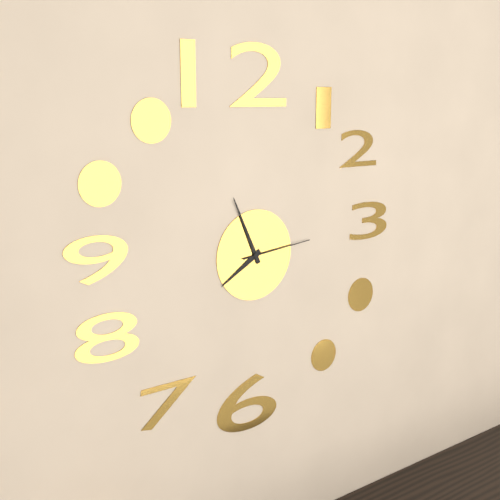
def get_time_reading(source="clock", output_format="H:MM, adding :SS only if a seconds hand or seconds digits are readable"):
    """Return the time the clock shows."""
7:56:14
